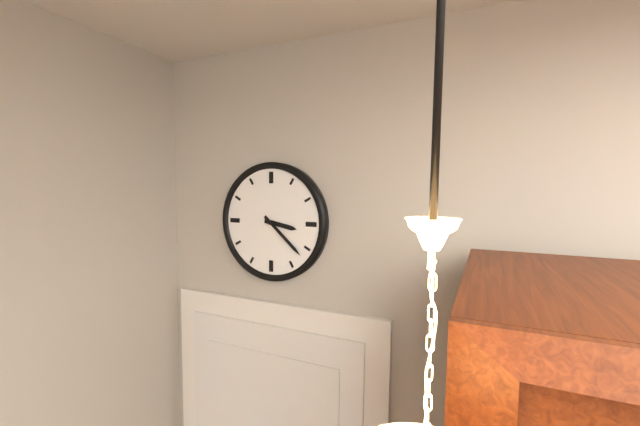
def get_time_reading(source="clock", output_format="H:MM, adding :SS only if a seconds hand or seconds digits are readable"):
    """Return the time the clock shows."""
3:22
